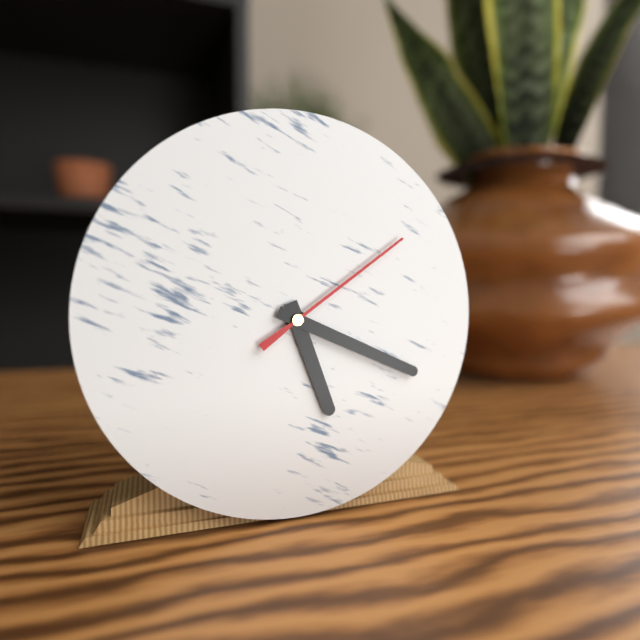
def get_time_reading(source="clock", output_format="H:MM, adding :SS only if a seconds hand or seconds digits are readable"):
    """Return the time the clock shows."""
5:19:09
